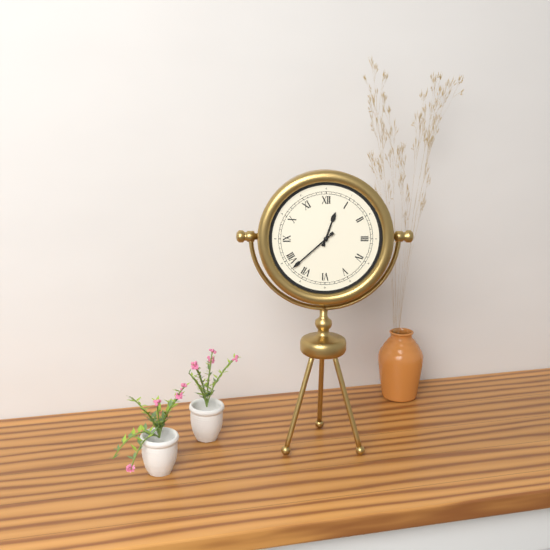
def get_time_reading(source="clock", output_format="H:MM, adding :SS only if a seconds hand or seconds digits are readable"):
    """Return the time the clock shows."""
12:38
